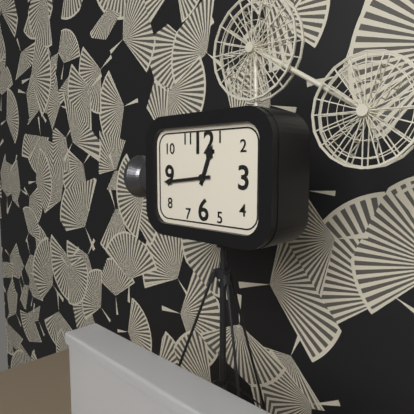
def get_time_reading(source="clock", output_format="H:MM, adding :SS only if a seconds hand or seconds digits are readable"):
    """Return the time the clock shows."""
12:44
